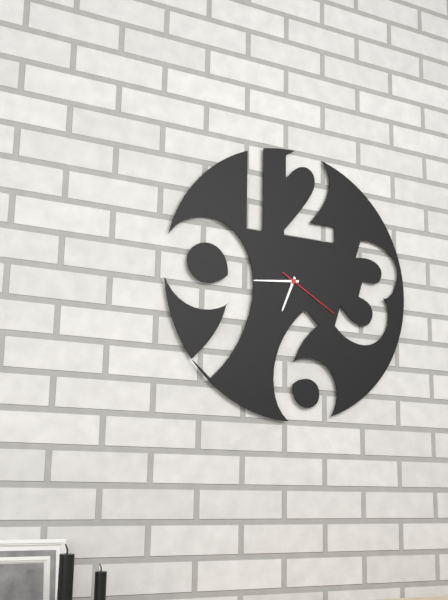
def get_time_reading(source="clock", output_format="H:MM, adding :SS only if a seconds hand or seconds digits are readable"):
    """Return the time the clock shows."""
6:44:20
